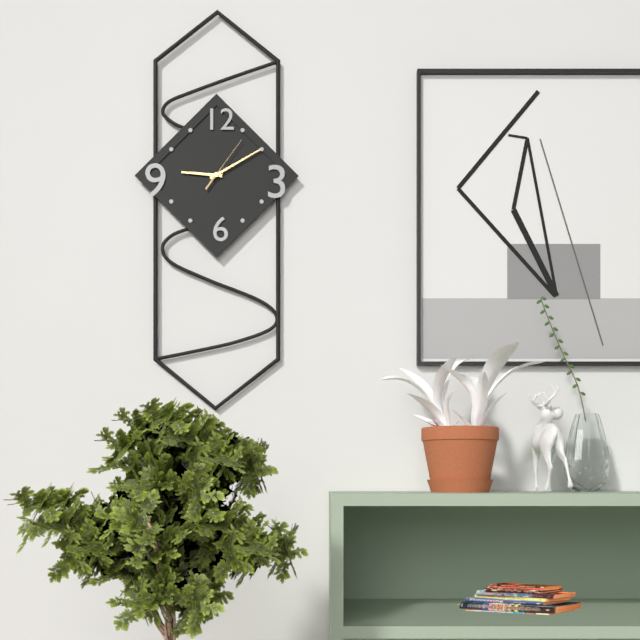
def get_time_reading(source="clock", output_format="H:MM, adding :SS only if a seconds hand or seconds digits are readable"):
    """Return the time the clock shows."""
9:10:06
